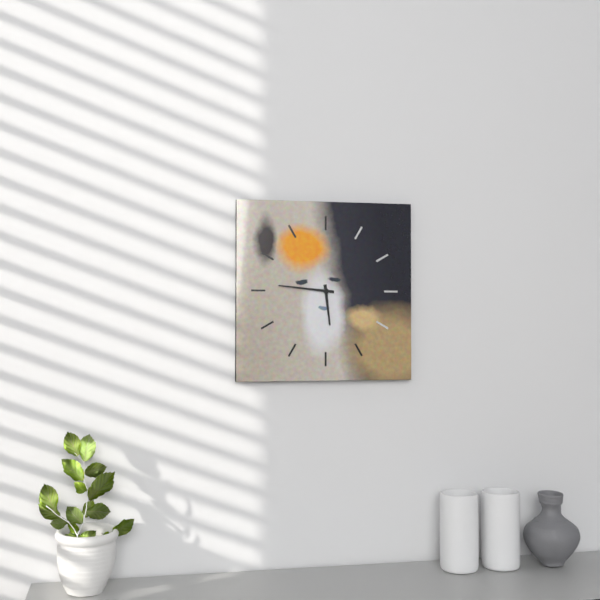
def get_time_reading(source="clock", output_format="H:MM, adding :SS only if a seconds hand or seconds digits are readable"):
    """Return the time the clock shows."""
5:46
